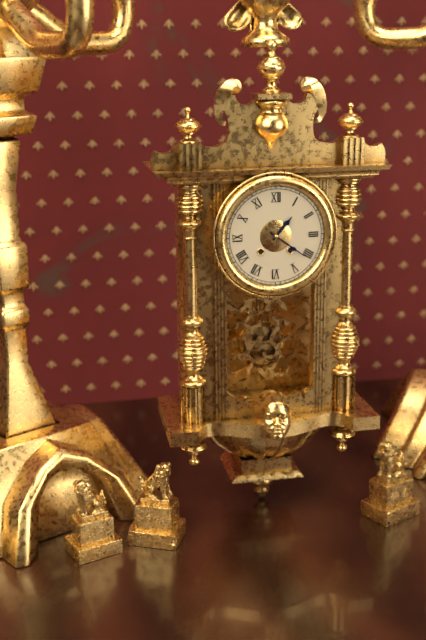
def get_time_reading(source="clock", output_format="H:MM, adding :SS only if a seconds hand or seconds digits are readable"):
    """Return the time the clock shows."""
1:21
